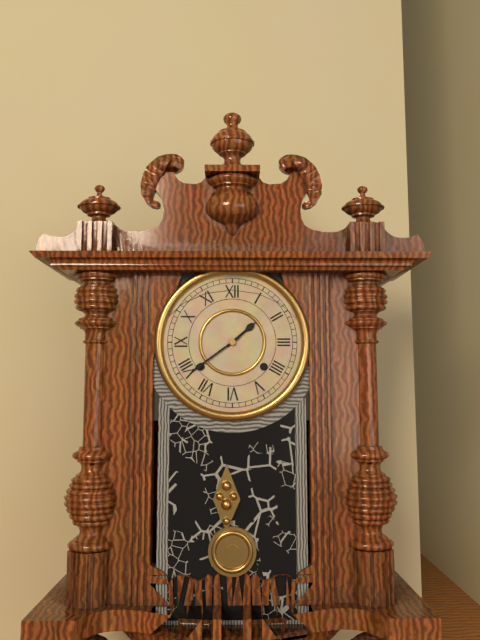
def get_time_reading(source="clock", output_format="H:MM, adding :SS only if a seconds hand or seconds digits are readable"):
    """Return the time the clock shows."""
1:39
